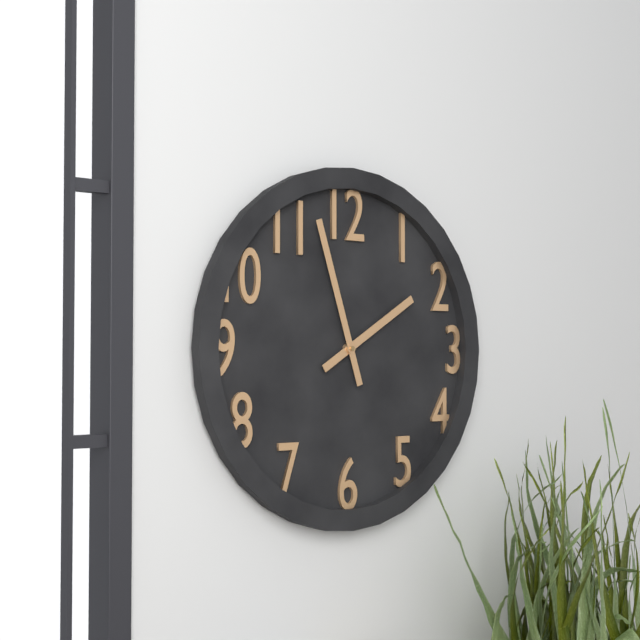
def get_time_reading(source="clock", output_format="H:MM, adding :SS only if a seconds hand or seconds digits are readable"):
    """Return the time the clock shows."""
1:57
